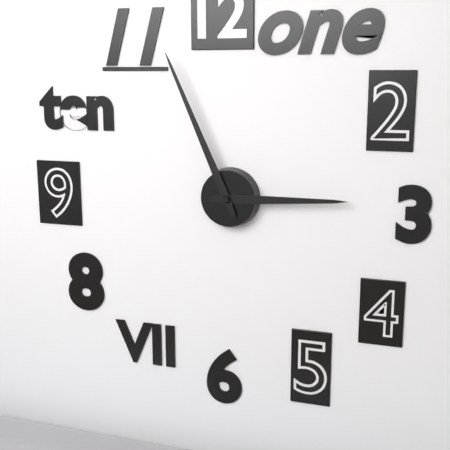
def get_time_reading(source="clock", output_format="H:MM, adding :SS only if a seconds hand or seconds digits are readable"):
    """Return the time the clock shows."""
2:56
